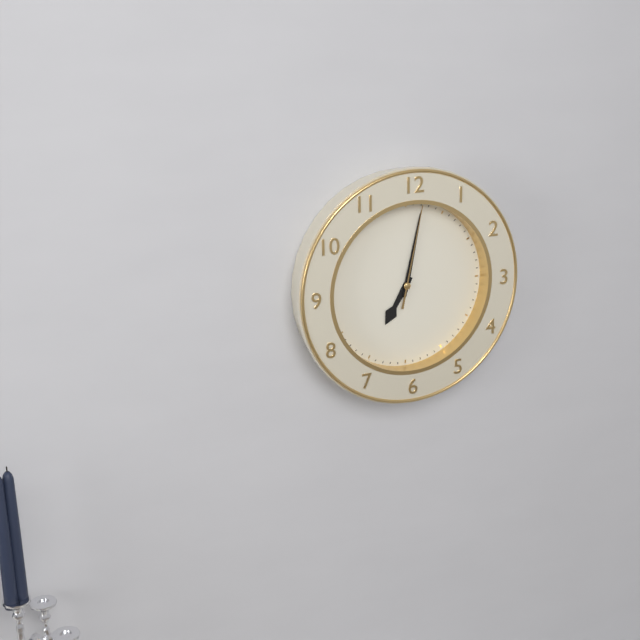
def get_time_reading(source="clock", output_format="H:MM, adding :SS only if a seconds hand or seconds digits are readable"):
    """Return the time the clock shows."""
7:02:02
